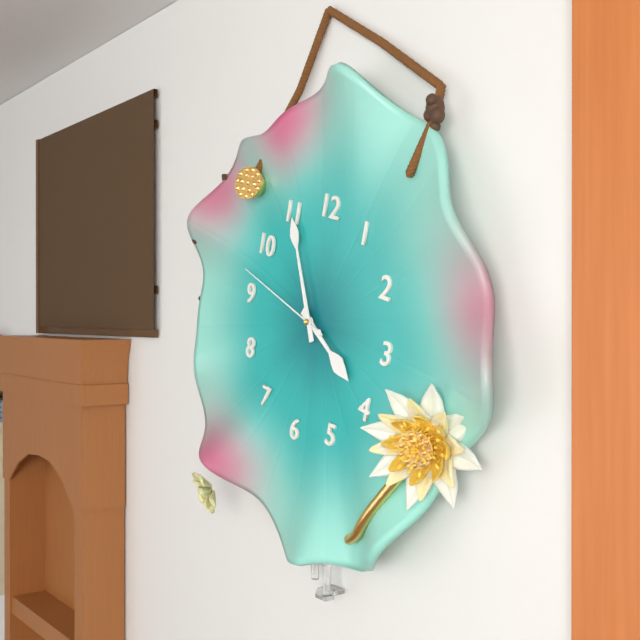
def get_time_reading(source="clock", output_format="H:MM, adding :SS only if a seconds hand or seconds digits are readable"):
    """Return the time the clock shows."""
3:55:47
